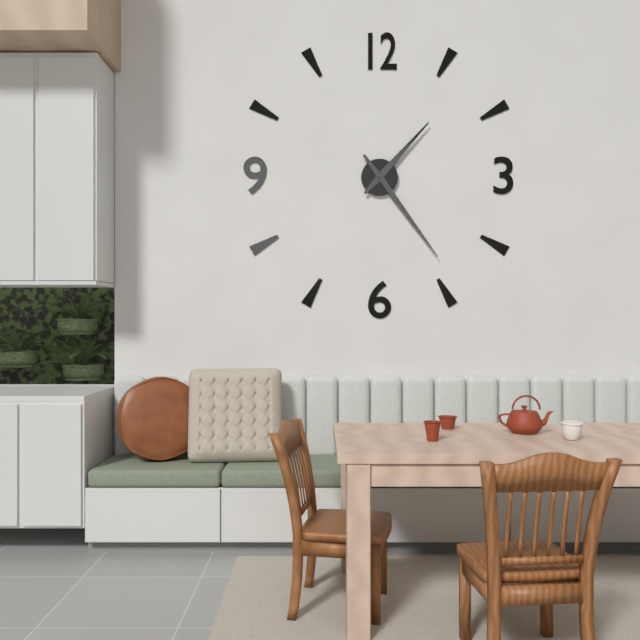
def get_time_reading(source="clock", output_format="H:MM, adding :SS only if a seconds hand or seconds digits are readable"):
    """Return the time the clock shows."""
1:24
